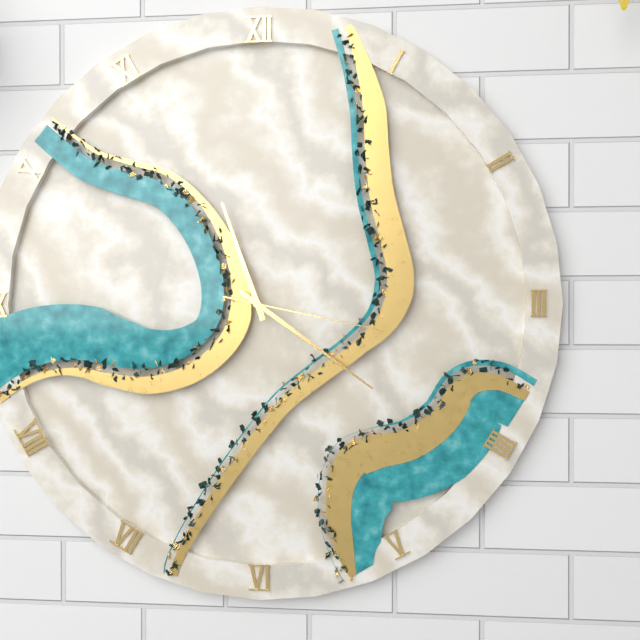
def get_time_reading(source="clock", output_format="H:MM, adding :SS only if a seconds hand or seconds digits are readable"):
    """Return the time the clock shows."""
11:21:17
